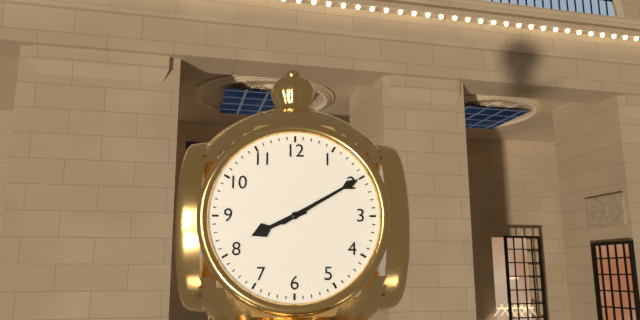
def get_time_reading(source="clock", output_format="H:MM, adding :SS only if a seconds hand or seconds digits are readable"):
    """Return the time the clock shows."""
8:10
